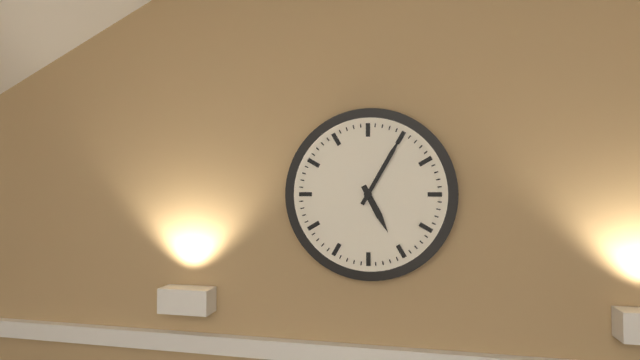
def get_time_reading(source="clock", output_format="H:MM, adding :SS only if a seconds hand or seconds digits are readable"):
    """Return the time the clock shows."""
5:05
